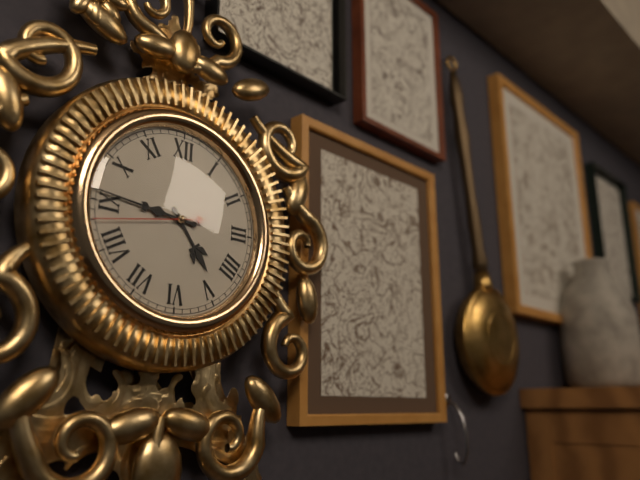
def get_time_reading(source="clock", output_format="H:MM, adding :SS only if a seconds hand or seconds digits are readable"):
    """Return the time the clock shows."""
4:46:43
